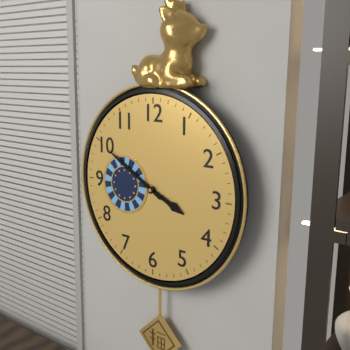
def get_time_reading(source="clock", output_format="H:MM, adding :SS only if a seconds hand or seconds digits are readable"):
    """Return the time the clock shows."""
3:50
